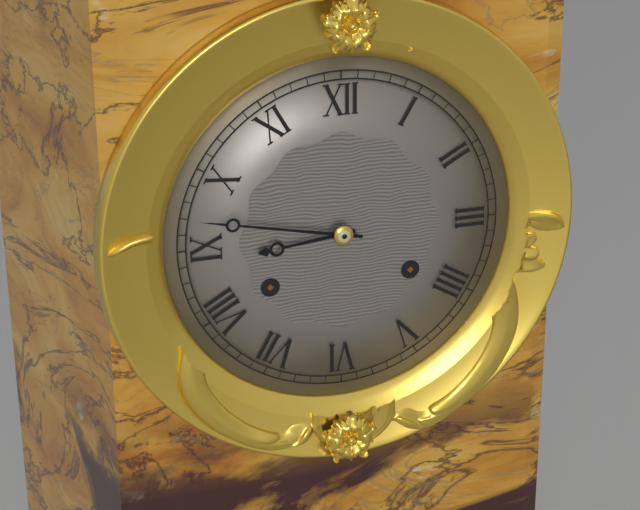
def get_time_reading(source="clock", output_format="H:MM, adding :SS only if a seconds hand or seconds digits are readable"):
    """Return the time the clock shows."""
8:47
